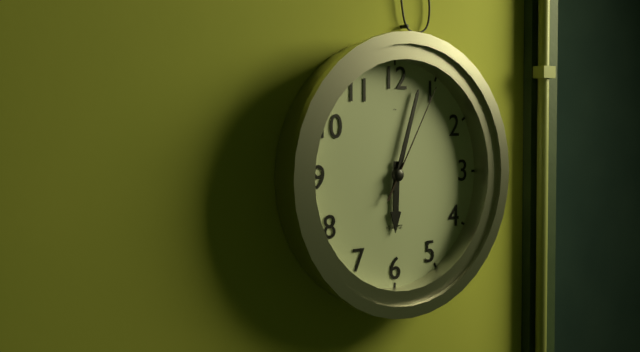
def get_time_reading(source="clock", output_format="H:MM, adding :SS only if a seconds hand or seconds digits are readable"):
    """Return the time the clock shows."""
6:03:05
